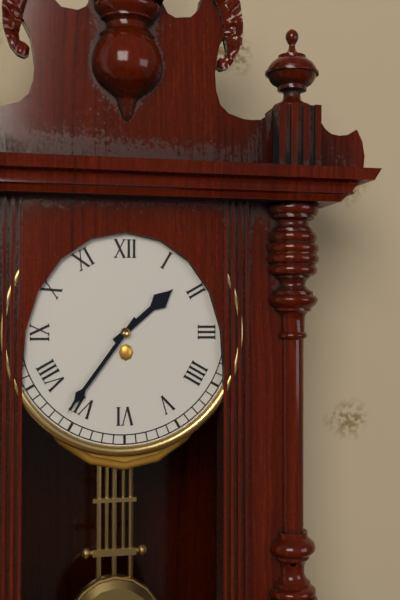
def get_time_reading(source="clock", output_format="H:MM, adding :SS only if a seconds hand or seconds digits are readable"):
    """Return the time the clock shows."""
1:36
